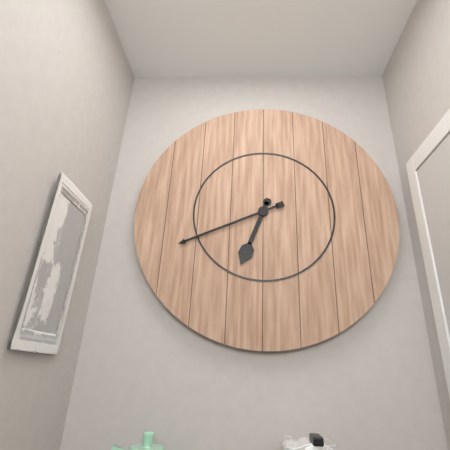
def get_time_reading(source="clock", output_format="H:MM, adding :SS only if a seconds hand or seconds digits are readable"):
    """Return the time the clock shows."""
6:41
